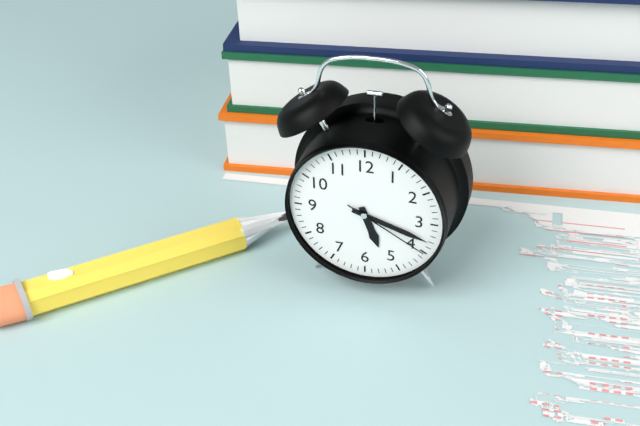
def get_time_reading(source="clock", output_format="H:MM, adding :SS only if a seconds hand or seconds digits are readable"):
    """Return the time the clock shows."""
5:18:20
